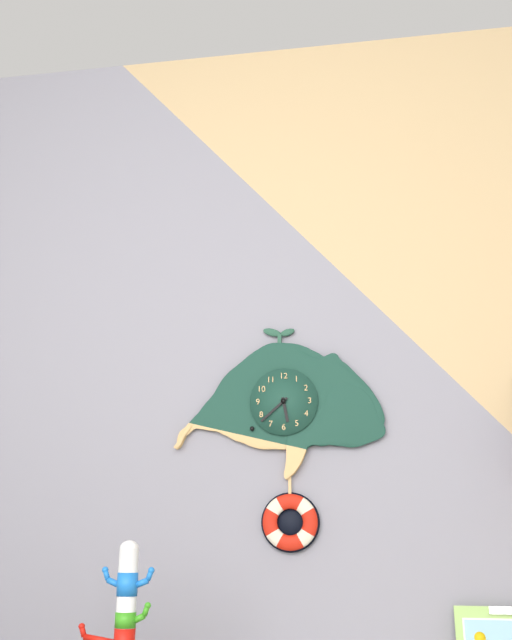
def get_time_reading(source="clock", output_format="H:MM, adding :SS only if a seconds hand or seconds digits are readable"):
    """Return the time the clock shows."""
5:38
